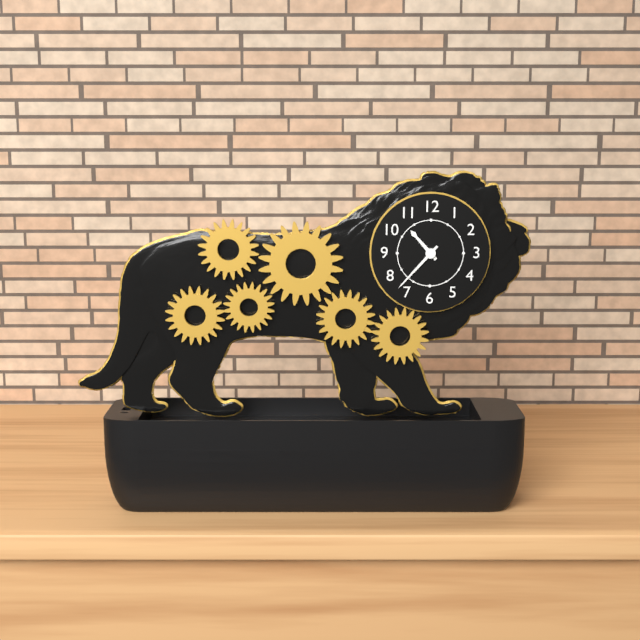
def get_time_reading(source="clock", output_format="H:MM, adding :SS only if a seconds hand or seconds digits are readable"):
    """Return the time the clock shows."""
10:37
